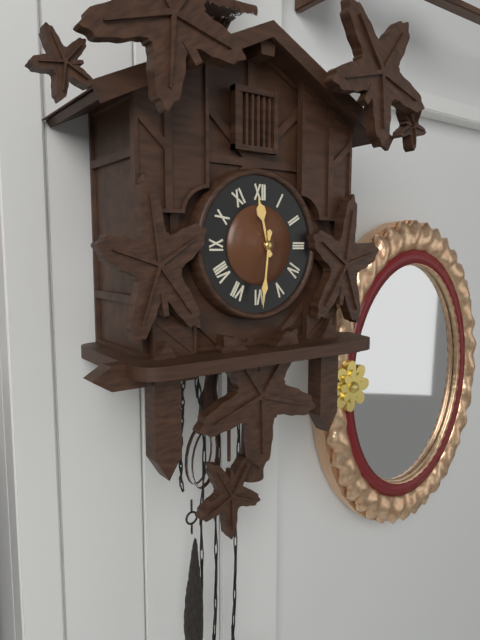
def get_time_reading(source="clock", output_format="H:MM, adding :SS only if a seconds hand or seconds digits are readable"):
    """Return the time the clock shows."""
11:31
